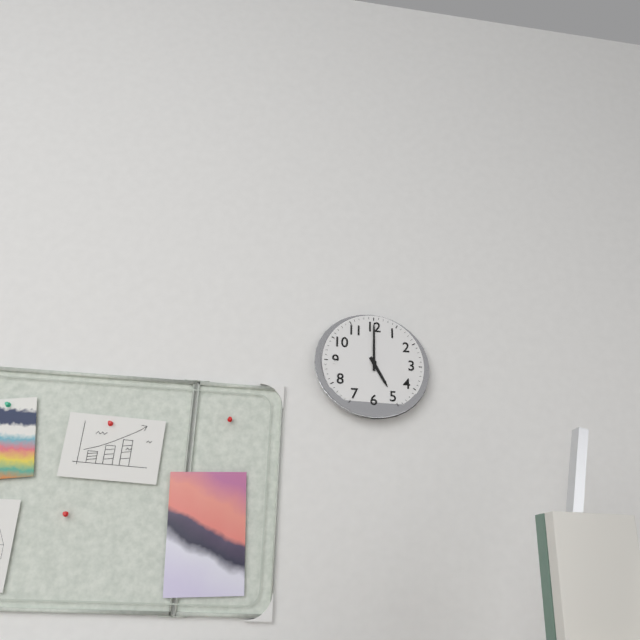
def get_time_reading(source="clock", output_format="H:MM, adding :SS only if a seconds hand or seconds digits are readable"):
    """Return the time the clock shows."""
5:00
